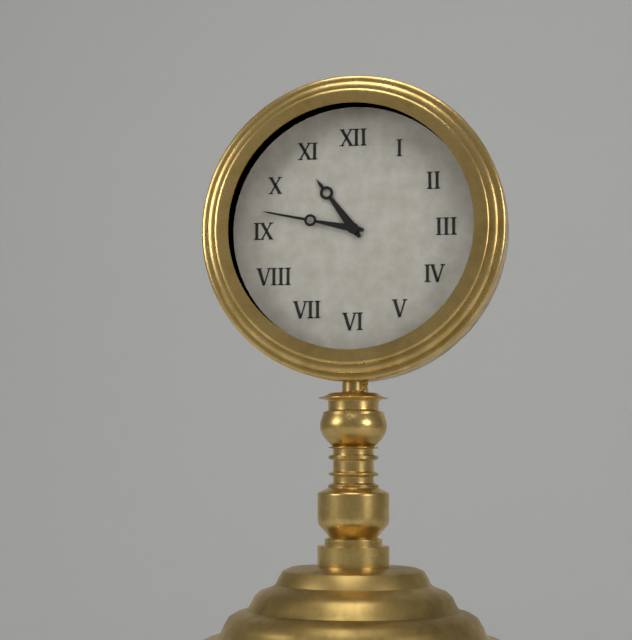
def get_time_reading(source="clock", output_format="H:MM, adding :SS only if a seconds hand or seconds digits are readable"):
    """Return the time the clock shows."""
10:47
